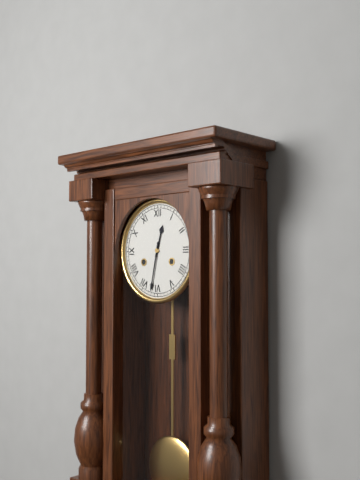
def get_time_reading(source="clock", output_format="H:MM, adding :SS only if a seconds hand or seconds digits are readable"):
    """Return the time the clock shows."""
12:32
